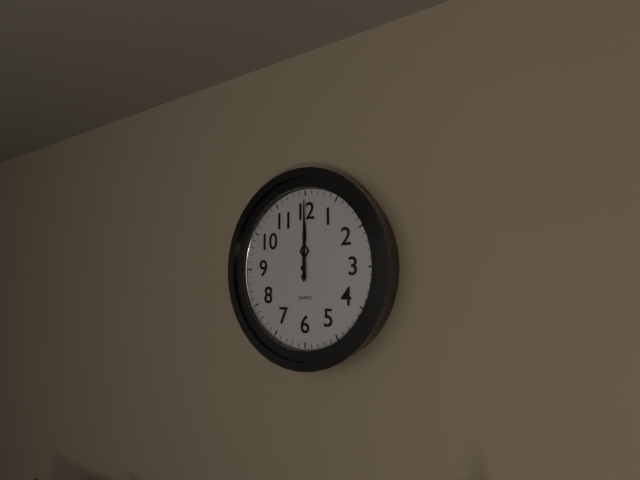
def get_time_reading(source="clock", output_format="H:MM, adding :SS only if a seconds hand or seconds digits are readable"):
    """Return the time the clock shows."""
12:00
